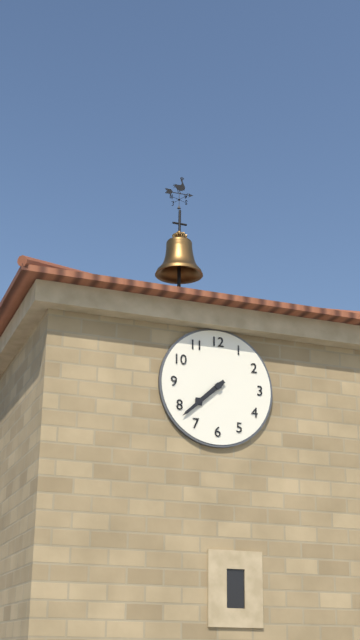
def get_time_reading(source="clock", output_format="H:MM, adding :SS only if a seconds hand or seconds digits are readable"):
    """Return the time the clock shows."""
7:38
